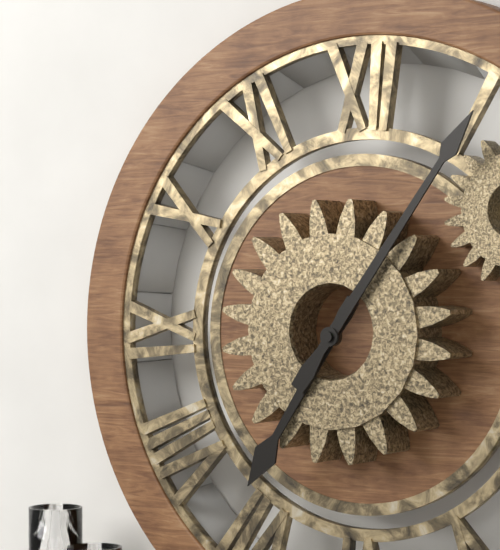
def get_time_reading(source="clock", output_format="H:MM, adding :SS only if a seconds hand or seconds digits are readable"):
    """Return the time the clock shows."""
7:06
